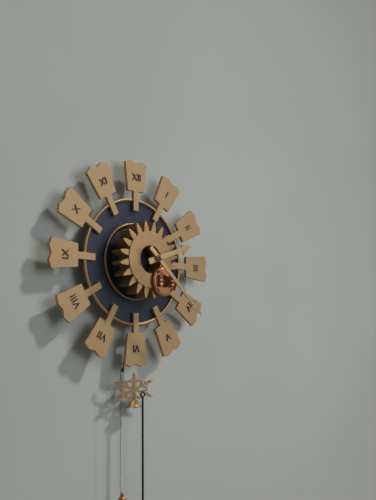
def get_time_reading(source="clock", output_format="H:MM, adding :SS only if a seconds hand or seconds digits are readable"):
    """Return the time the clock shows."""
2:22
